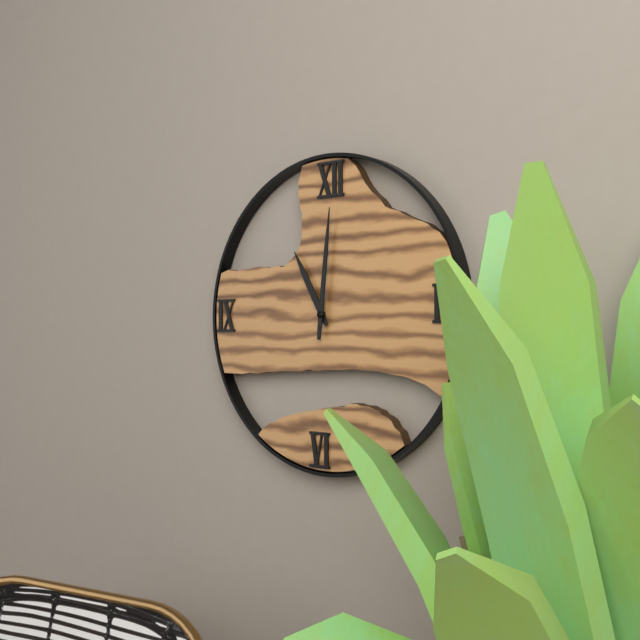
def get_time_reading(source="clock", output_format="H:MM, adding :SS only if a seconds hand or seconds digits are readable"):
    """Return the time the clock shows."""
11:01
